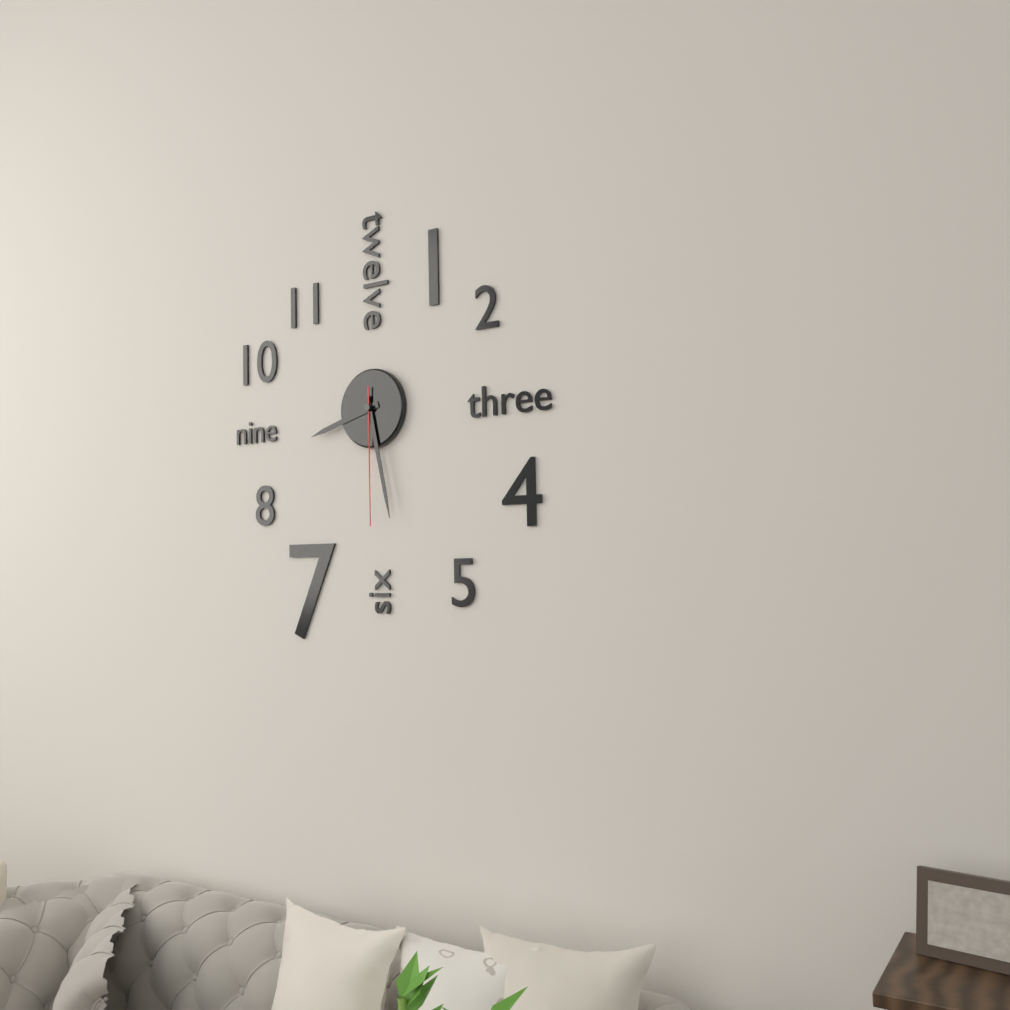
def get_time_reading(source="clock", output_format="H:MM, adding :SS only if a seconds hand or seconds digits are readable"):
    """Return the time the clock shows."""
8:28:30
